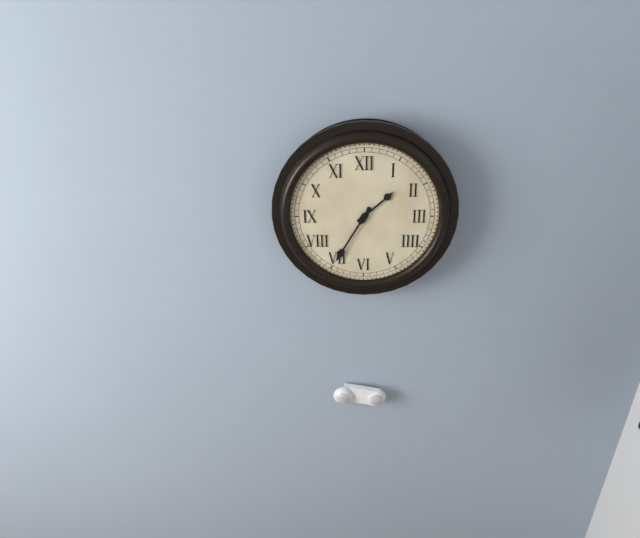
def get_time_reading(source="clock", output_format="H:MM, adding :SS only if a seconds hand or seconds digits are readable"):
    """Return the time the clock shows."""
1:35
